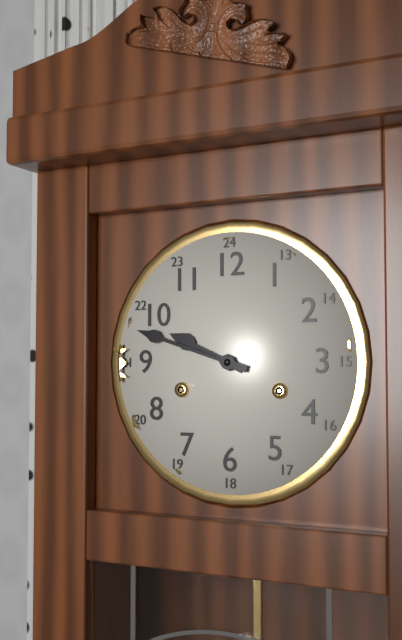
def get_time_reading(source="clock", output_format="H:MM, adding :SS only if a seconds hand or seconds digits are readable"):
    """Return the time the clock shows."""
9:48
